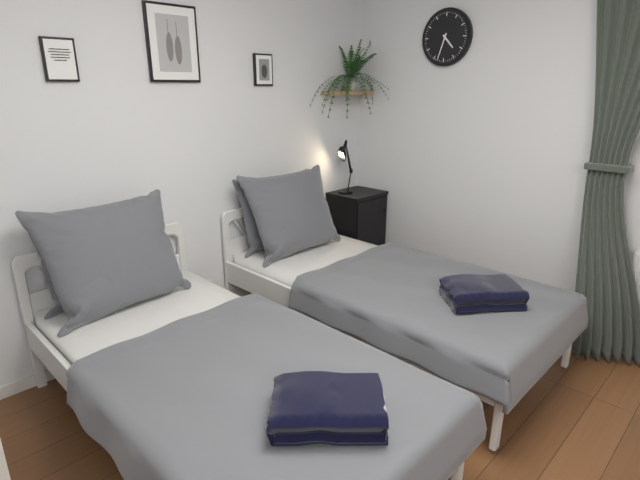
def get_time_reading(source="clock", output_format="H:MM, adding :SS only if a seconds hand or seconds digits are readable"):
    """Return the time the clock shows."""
4:33
